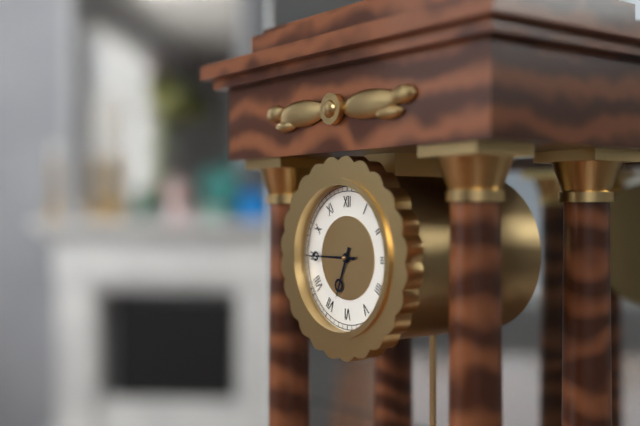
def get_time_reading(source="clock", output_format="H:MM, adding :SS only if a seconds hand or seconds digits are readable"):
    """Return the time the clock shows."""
6:45
